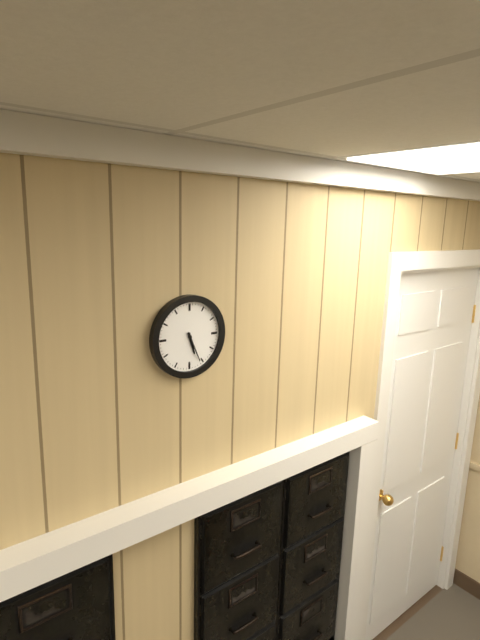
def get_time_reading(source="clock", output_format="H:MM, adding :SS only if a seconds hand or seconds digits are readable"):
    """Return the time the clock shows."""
5:26
